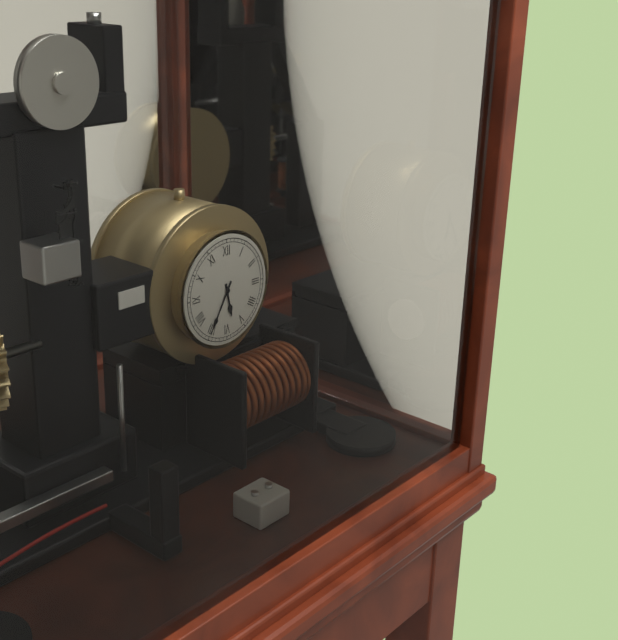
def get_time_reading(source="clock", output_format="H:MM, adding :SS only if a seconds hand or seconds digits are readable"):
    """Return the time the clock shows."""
5:35
